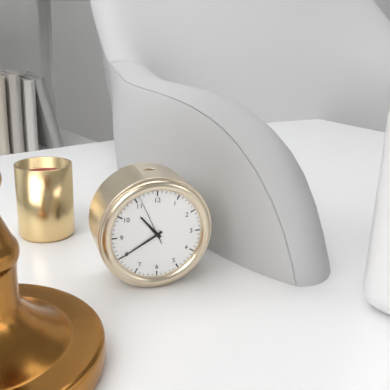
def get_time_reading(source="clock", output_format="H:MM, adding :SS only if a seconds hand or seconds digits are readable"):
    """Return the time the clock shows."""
10:40
